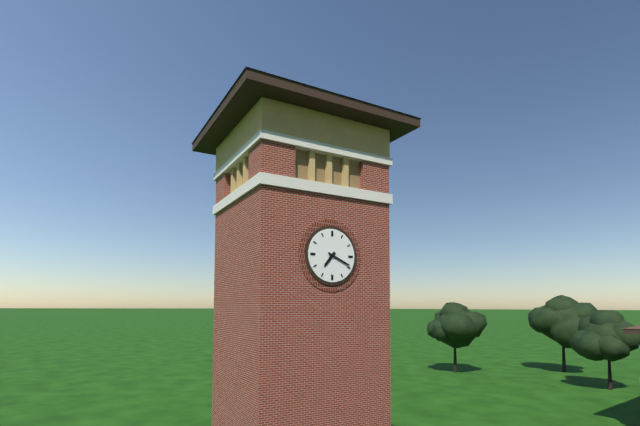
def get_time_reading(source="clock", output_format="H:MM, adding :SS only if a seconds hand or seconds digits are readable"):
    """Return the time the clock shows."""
7:19
